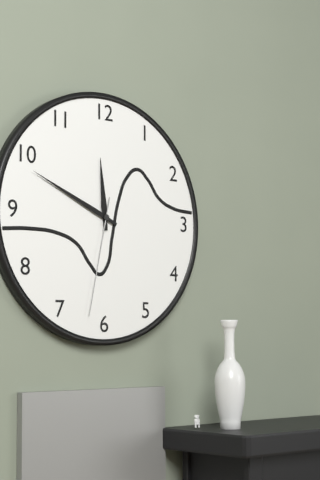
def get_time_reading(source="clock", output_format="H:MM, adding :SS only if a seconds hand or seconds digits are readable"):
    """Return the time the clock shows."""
11:49:32
